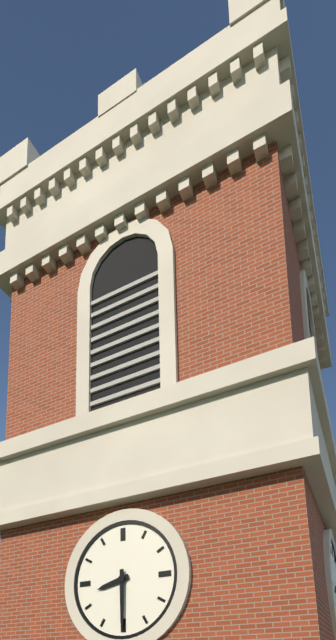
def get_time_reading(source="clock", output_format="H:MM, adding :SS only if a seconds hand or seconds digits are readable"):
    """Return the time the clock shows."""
8:30
